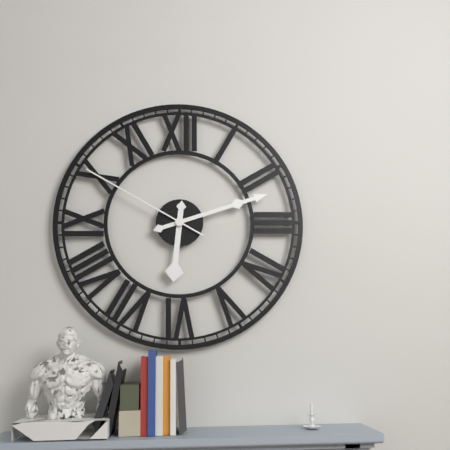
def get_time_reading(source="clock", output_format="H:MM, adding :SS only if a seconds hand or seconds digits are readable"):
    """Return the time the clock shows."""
6:12:50
